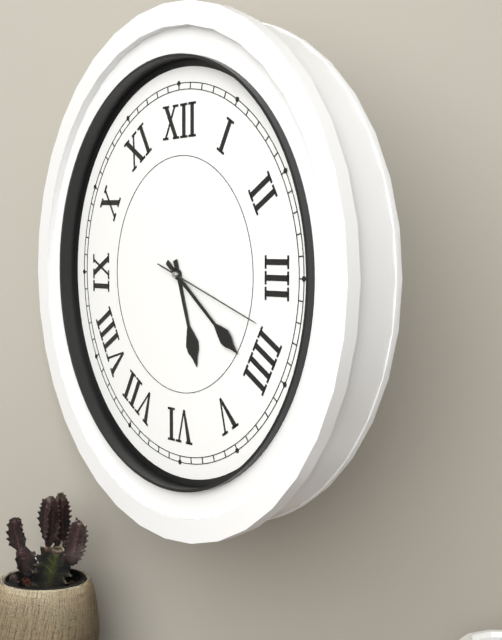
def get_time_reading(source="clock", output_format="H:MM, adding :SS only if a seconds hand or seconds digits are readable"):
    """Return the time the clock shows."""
5:21:18
